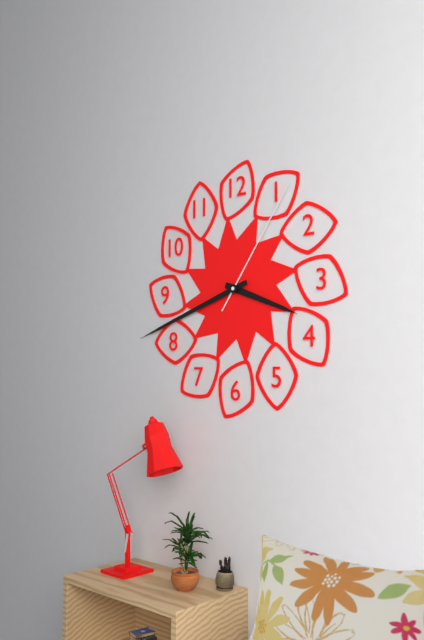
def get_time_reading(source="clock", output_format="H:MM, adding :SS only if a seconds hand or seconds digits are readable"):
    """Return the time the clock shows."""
3:42:06
